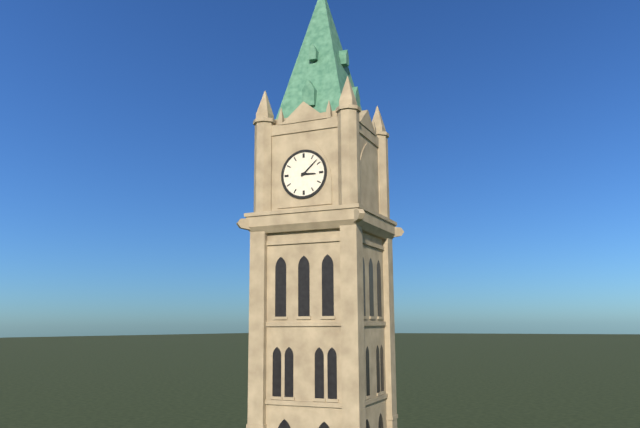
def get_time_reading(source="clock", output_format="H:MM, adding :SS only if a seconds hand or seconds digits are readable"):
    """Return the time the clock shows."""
3:08
